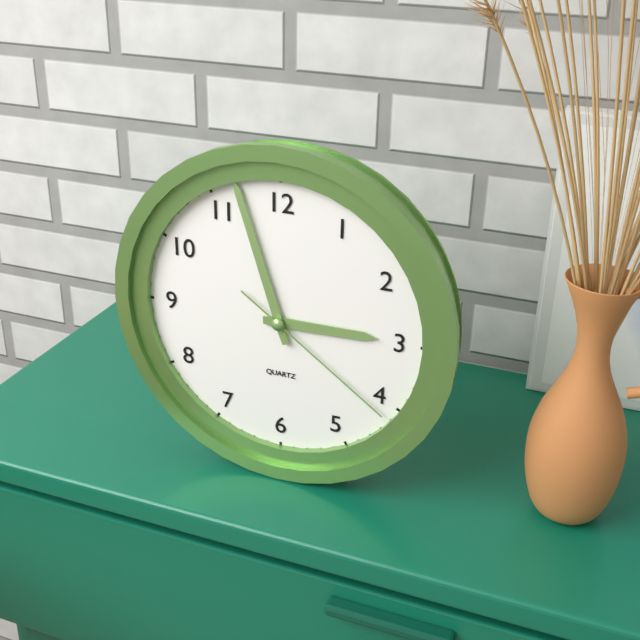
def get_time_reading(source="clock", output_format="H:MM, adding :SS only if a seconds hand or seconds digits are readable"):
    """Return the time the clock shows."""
2:57:21
